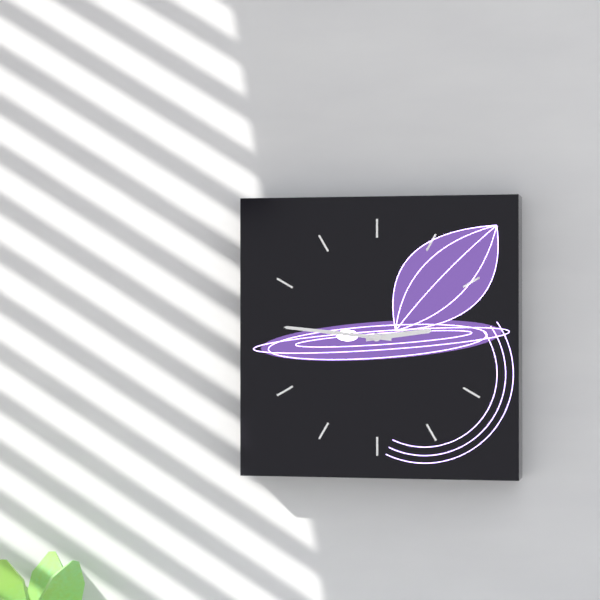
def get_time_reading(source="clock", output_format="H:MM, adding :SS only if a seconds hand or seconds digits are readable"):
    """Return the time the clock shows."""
2:46
